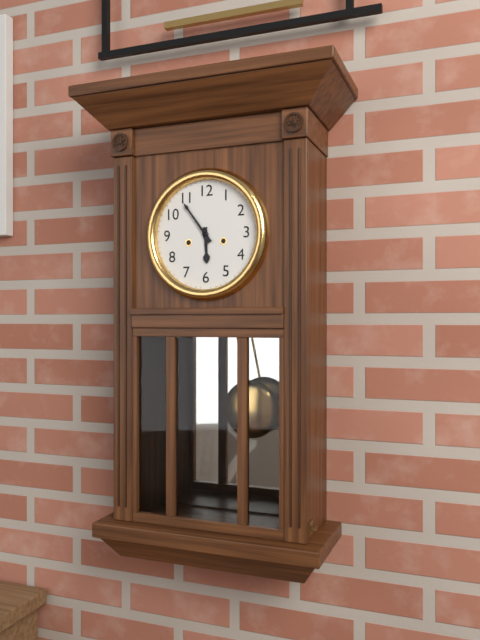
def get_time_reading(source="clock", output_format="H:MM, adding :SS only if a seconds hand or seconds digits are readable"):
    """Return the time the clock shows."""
5:54
